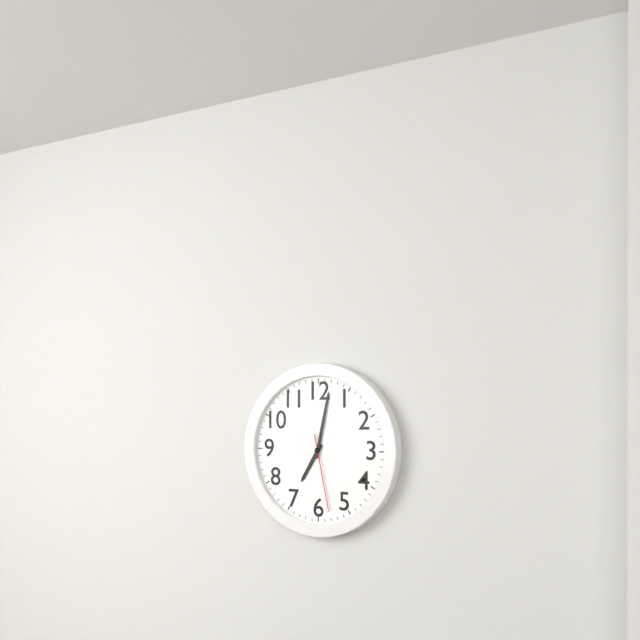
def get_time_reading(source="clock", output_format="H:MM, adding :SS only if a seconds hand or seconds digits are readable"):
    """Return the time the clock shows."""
7:02:28
